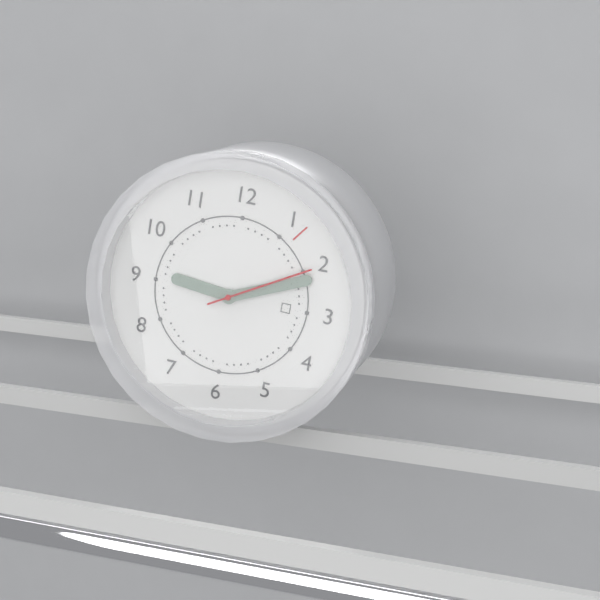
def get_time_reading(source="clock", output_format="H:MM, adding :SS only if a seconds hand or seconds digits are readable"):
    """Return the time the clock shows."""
9:11:10
